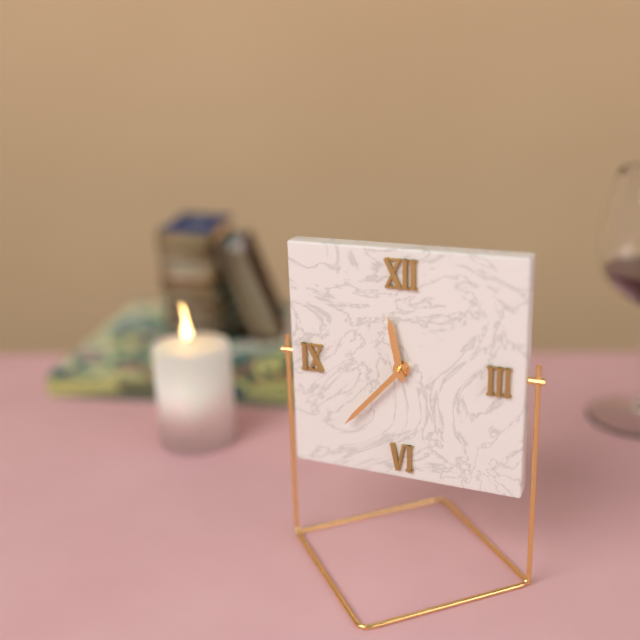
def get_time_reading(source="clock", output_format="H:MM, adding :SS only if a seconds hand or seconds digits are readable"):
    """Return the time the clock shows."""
11:37
